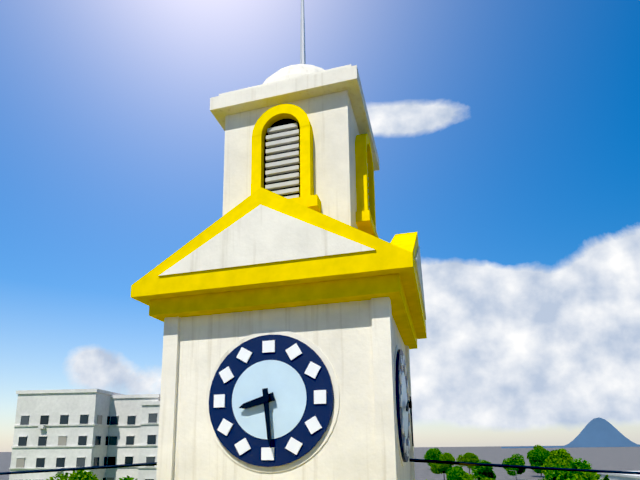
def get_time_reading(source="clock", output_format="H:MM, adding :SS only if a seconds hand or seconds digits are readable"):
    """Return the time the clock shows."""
8:29
